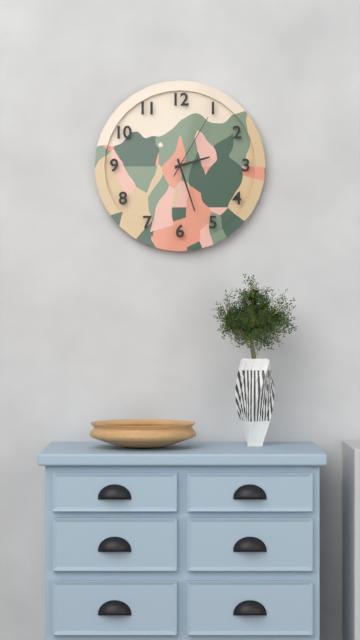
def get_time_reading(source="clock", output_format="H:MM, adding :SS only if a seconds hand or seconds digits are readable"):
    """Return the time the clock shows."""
2:27:05
